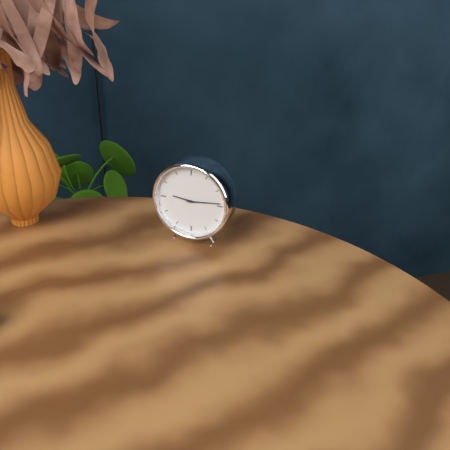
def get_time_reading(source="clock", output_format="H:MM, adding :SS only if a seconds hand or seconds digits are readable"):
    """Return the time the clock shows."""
9:14
